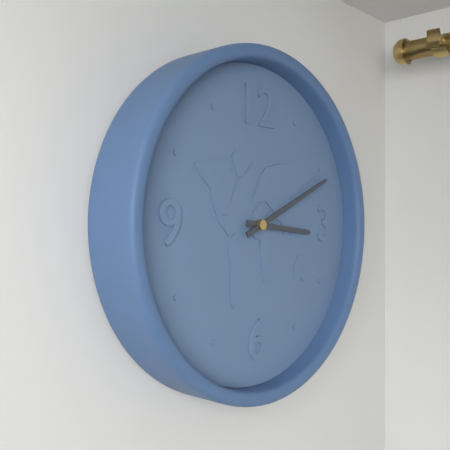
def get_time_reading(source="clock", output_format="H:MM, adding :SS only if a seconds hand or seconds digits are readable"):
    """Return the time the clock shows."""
3:11
